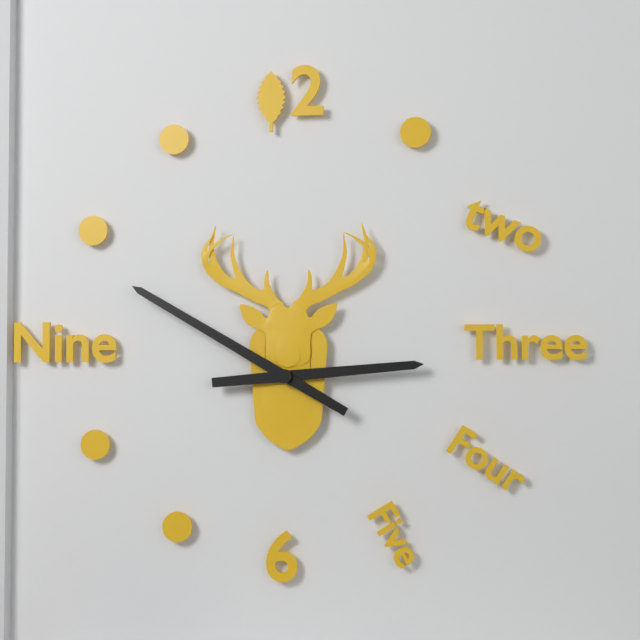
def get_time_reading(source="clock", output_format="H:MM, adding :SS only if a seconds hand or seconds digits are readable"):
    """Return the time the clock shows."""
2:50
